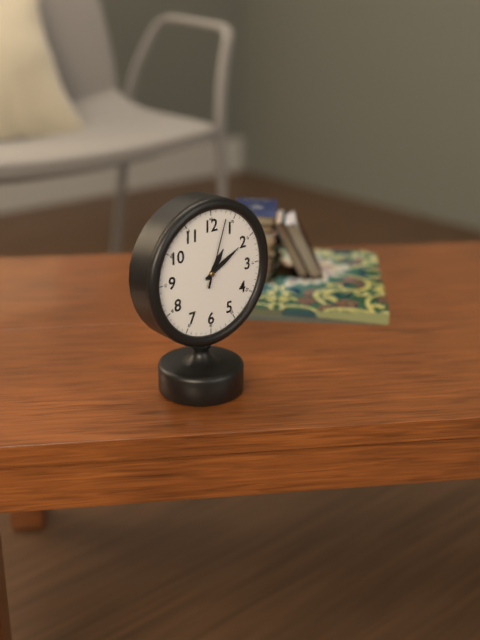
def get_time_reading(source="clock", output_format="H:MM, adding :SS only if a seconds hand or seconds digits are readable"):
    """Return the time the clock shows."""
1:10:03
